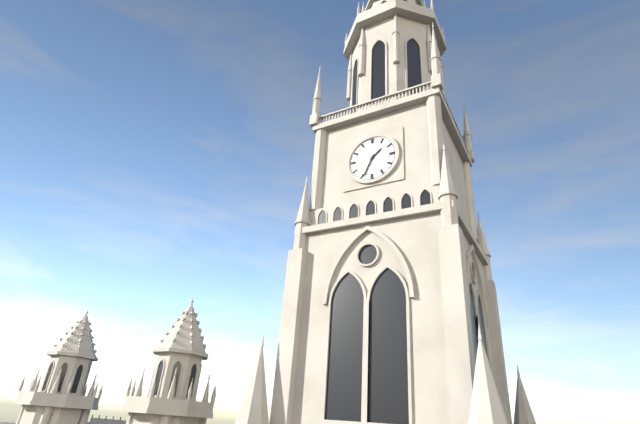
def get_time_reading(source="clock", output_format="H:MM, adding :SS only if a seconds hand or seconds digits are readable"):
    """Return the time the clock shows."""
1:34
